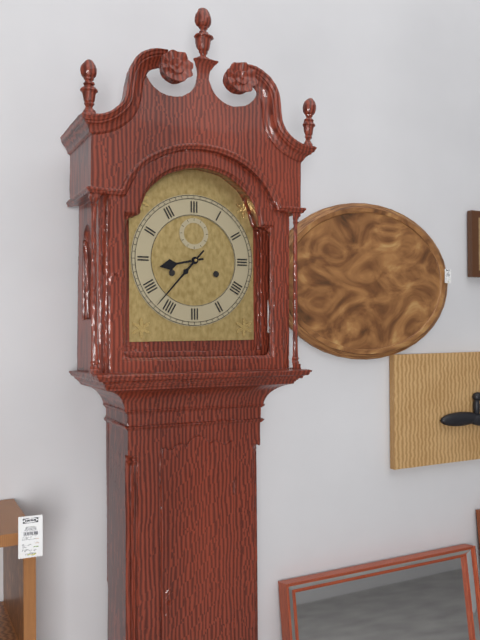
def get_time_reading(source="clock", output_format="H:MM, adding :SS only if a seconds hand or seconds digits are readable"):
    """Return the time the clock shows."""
8:37
